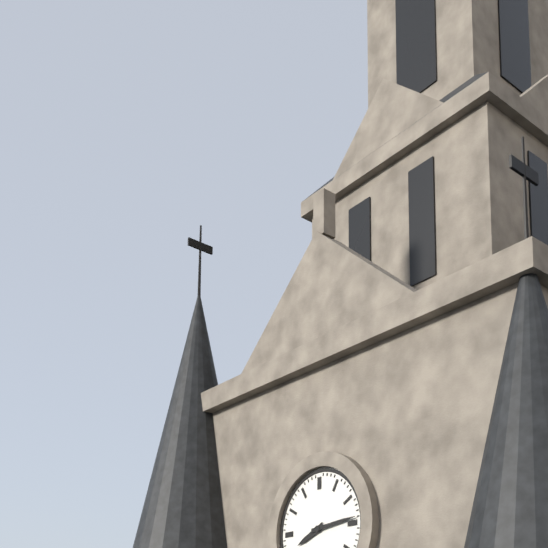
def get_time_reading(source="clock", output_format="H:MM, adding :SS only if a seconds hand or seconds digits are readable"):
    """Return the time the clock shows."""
8:14
